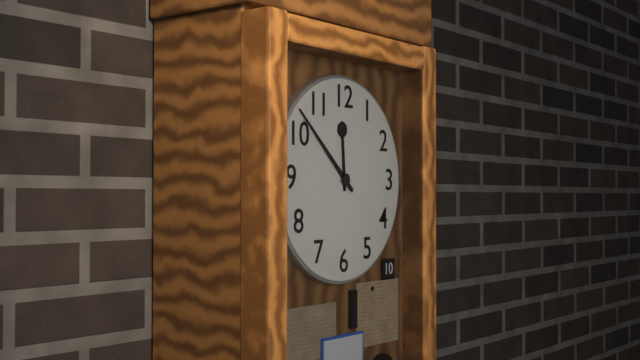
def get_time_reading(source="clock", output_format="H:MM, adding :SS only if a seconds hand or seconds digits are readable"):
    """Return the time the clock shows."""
11:52
